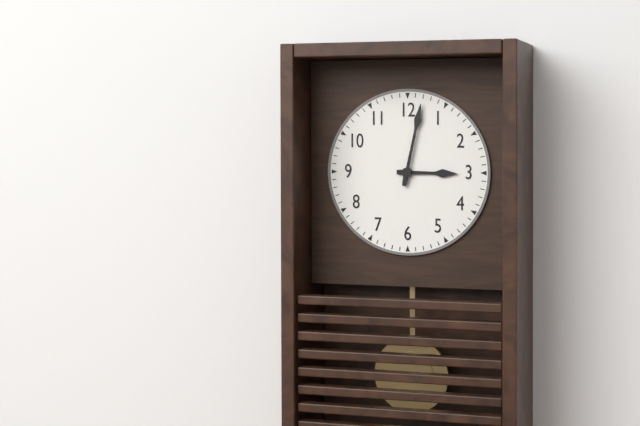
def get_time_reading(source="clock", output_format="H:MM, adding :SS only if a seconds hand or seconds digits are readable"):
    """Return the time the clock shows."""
3:02
